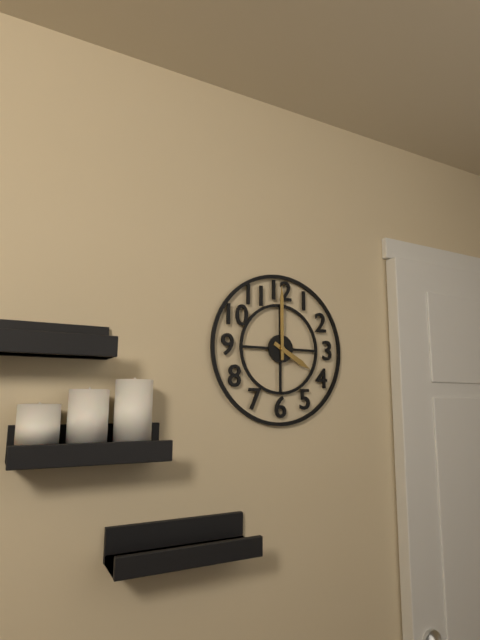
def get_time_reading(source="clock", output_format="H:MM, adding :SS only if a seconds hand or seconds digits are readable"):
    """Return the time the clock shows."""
4:00
